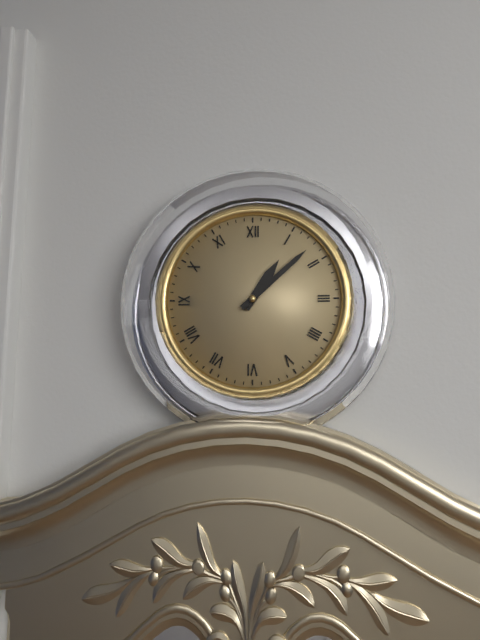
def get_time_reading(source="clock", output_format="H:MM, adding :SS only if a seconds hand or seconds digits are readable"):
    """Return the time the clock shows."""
1:08
